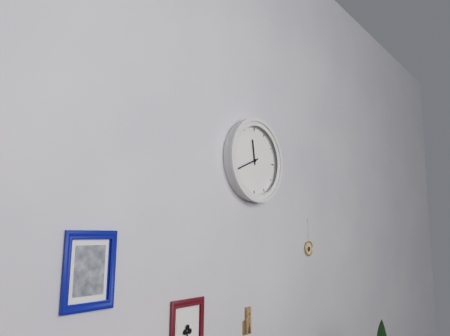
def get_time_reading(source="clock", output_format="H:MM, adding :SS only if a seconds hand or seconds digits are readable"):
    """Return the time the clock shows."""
11:41
